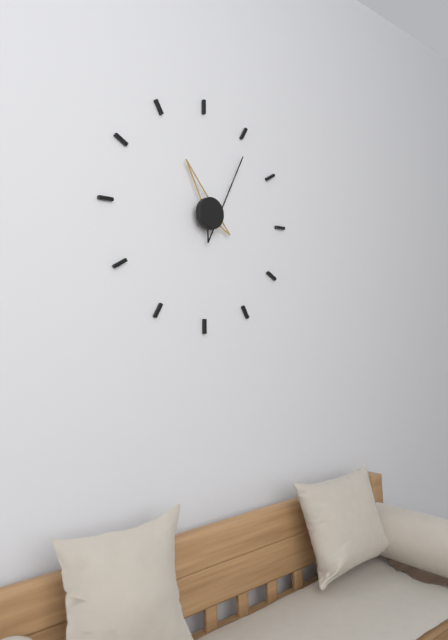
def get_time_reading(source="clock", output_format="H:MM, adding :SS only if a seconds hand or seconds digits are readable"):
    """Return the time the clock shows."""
11:06
